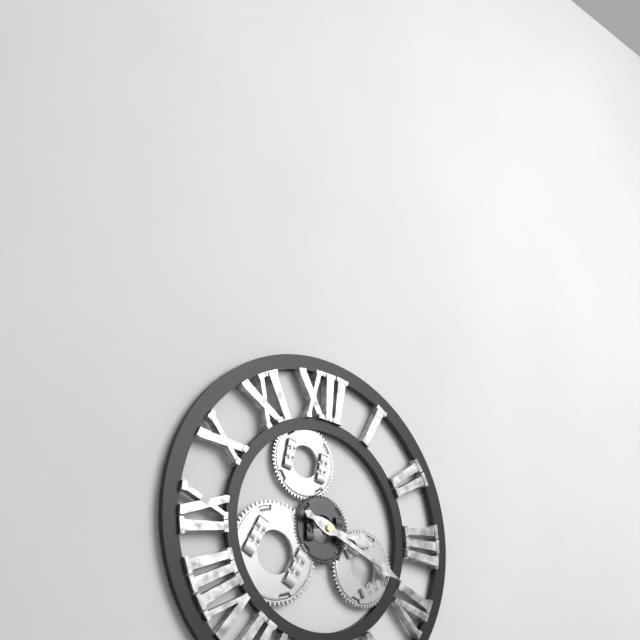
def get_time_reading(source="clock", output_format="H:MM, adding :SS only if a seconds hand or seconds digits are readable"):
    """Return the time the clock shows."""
3:19
